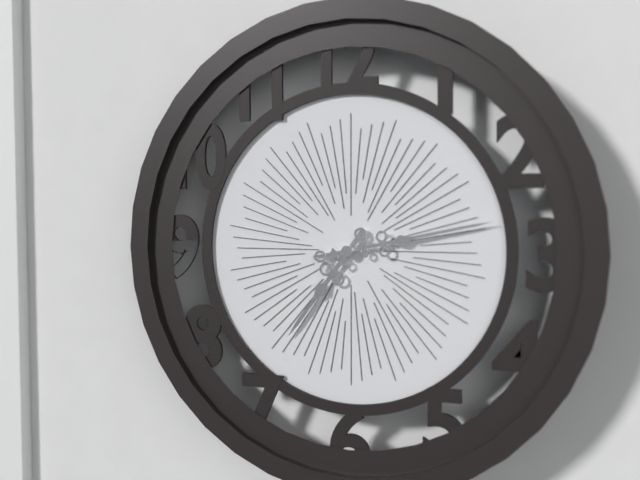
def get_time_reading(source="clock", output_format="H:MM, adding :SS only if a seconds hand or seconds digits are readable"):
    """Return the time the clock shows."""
7:13
